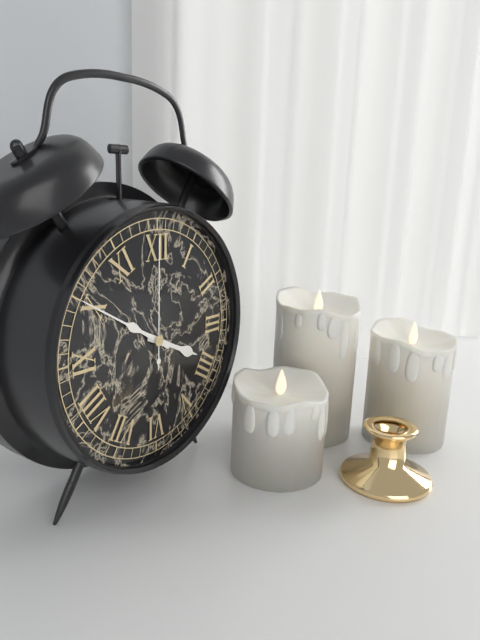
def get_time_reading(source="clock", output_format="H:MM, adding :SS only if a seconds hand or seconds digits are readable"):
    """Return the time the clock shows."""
3:50:00
